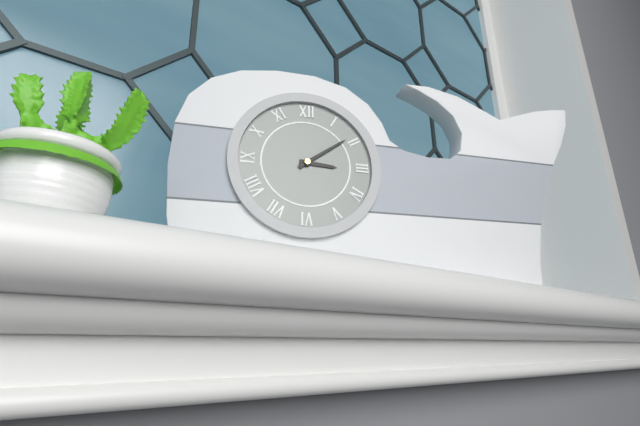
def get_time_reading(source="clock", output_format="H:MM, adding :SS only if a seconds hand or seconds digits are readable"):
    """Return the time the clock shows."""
3:09
